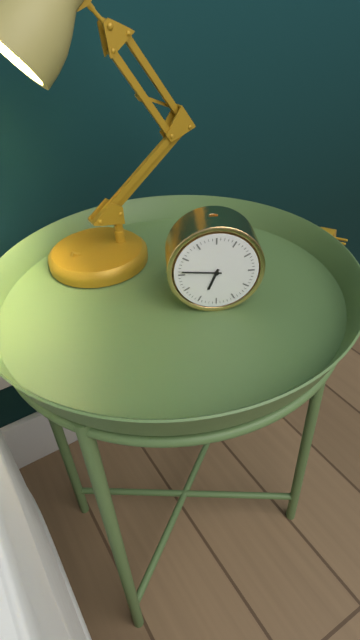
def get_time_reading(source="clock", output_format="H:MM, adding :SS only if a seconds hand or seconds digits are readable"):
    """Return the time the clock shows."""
6:46
